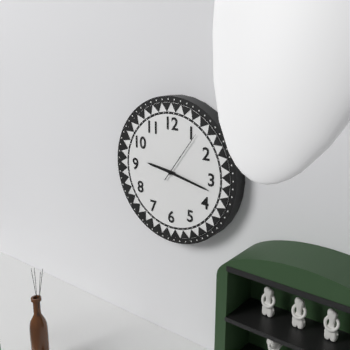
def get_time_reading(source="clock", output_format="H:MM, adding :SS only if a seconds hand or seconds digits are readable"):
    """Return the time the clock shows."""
9:17:06
